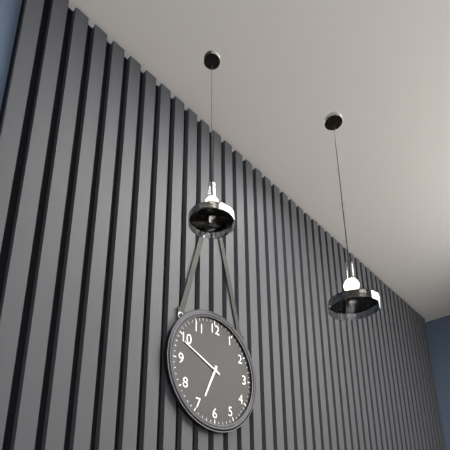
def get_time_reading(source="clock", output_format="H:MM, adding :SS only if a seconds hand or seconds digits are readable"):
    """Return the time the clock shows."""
6:49
